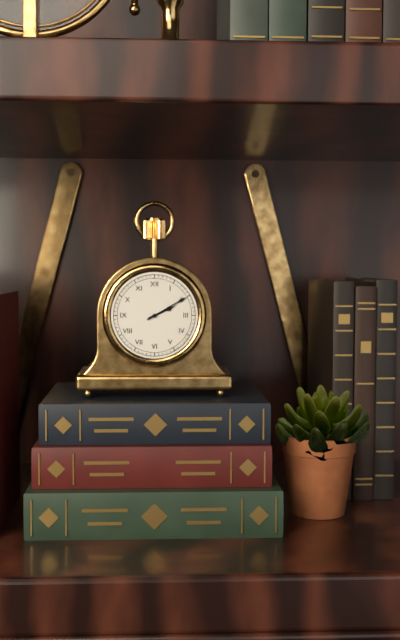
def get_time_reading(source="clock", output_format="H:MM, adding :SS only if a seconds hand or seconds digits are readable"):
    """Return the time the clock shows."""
2:10
